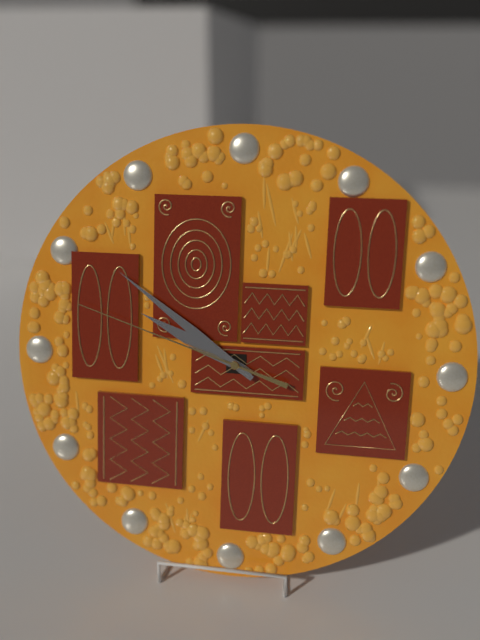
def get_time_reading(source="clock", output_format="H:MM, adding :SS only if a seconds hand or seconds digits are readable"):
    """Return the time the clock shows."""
9:51:48
